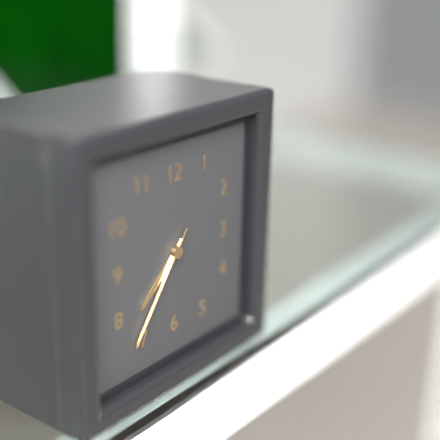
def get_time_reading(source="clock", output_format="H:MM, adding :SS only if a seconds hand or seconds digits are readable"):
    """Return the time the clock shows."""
7:36:36
